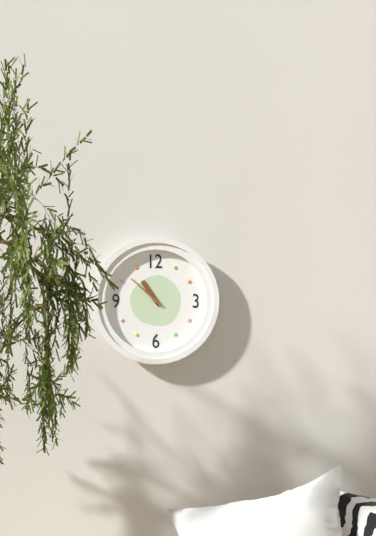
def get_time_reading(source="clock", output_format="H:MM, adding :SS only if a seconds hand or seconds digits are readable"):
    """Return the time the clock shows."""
10:52
